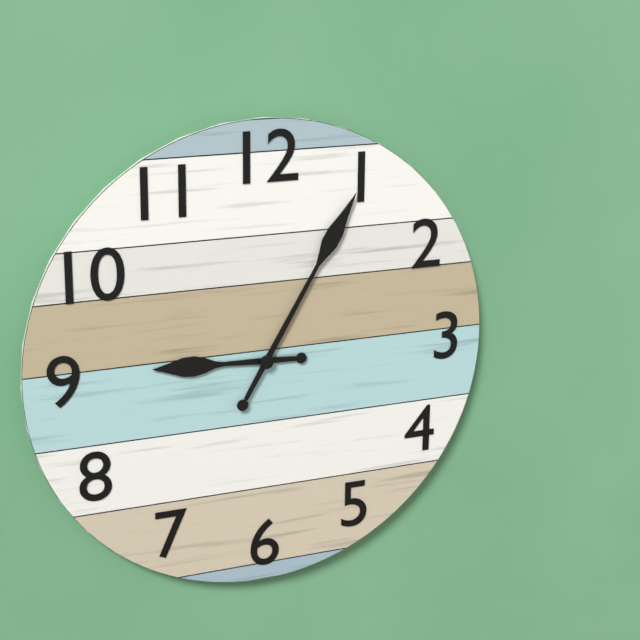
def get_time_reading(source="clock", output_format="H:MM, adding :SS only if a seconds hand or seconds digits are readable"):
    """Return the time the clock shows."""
9:05
